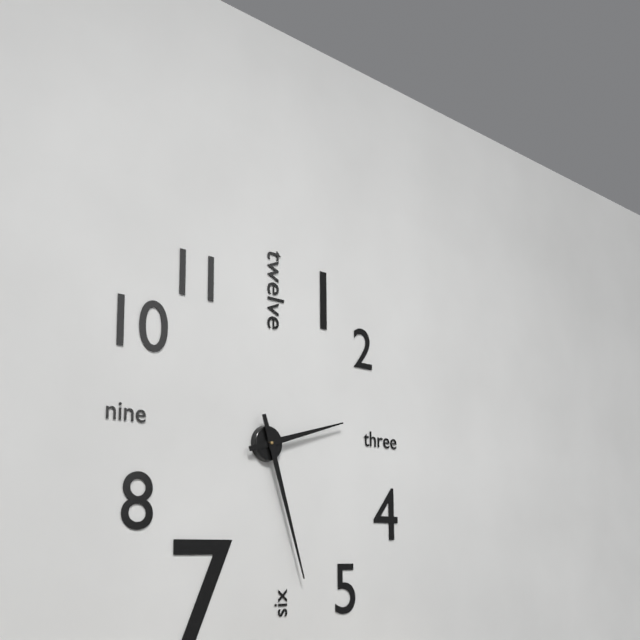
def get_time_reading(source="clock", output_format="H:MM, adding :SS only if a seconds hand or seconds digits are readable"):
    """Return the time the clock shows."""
2:27
